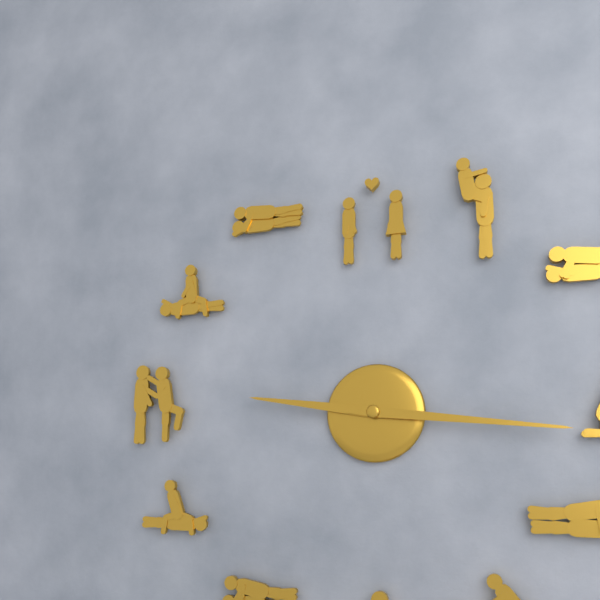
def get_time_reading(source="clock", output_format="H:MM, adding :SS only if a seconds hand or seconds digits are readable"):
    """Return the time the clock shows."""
9:16
